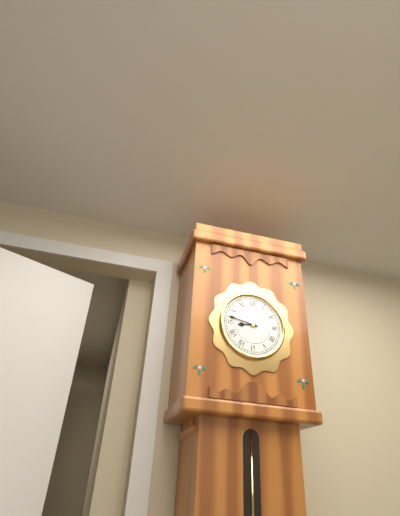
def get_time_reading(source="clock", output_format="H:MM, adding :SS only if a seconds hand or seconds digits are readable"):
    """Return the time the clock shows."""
8:47
